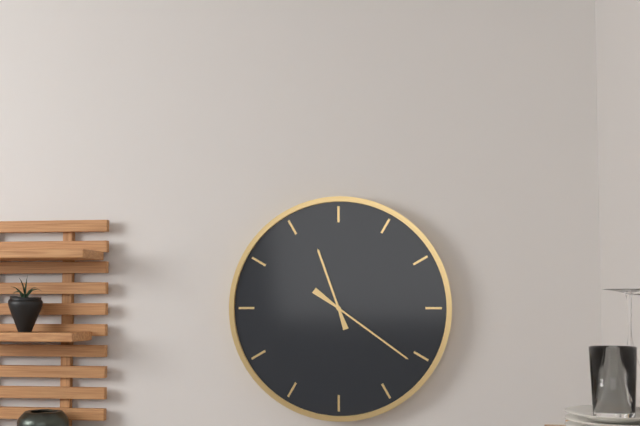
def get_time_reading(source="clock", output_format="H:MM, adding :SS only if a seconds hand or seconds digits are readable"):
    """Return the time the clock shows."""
11:21
